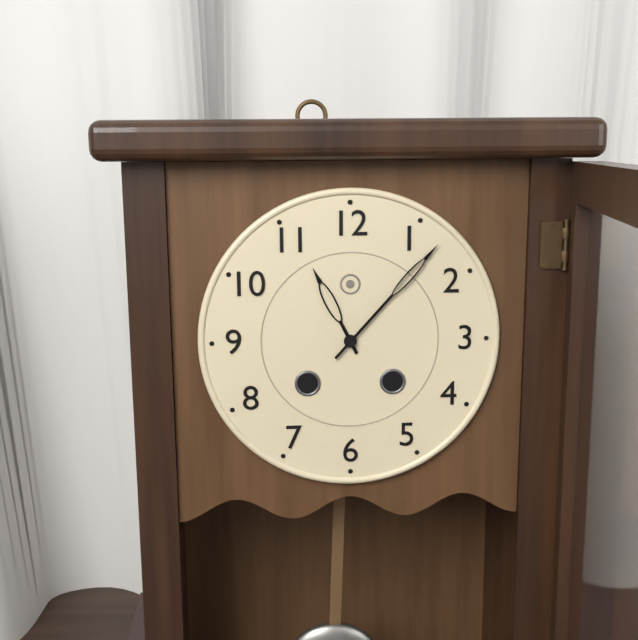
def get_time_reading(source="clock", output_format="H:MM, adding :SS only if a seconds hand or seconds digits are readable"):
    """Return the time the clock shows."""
11:07
